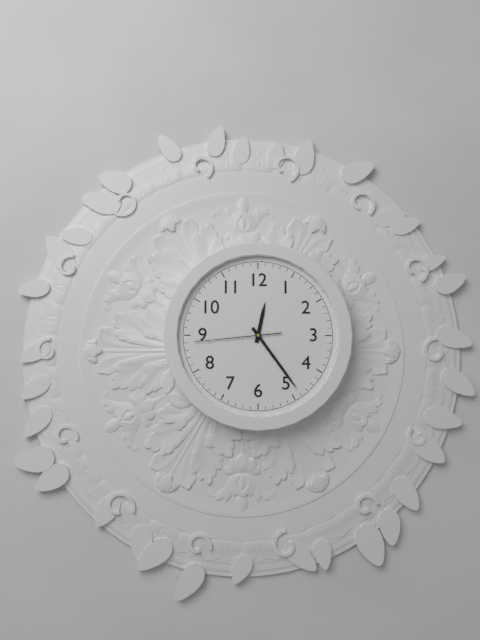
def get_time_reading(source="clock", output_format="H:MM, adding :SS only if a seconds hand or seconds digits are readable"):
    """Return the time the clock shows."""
12:24:44
